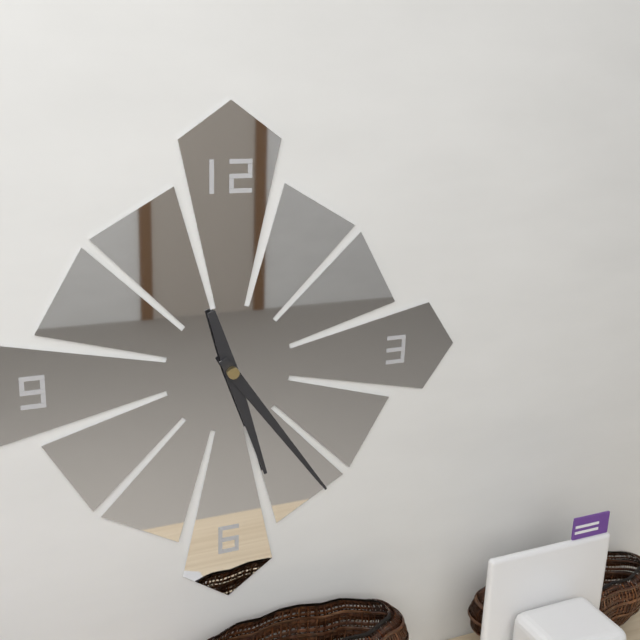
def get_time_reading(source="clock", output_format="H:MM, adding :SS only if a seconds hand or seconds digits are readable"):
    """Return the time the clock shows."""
5:24
